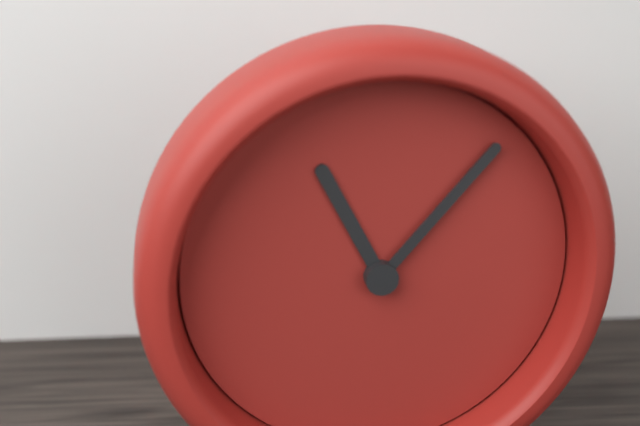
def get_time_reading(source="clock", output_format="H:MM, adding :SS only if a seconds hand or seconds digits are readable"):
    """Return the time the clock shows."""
11:07
